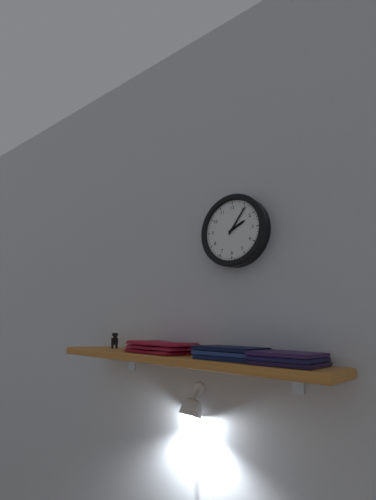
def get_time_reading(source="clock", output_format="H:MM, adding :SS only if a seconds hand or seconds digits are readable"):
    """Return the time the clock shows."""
2:06
